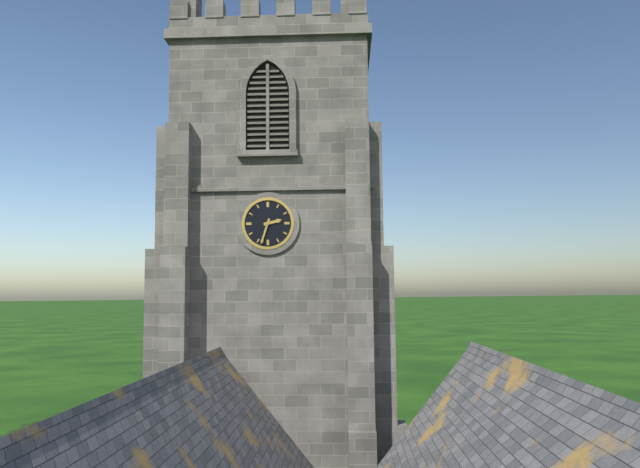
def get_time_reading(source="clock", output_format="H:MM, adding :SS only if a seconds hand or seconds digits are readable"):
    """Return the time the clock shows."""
2:33
